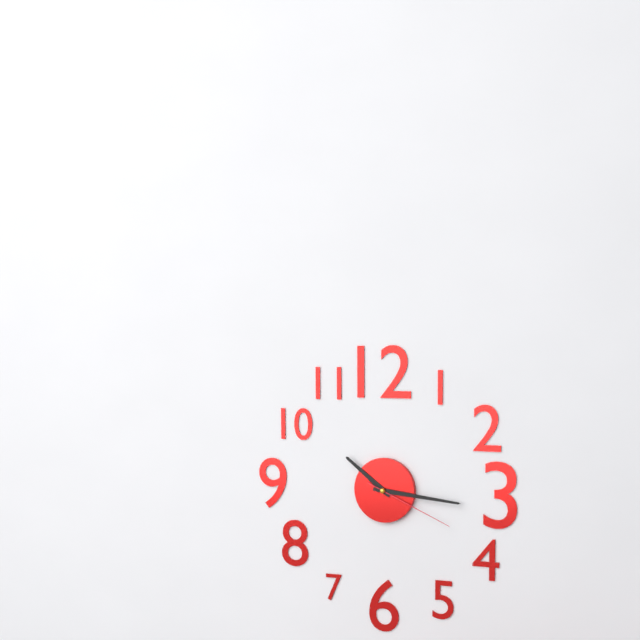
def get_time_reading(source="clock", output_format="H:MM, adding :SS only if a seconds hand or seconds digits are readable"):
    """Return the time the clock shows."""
10:16:19
